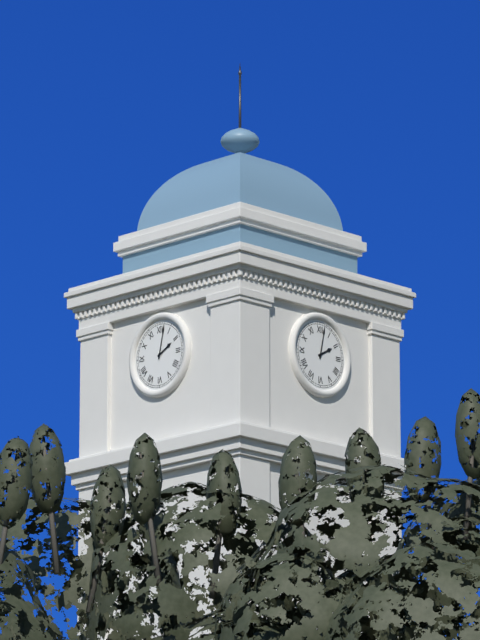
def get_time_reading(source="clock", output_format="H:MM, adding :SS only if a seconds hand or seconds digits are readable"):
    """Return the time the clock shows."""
2:02
